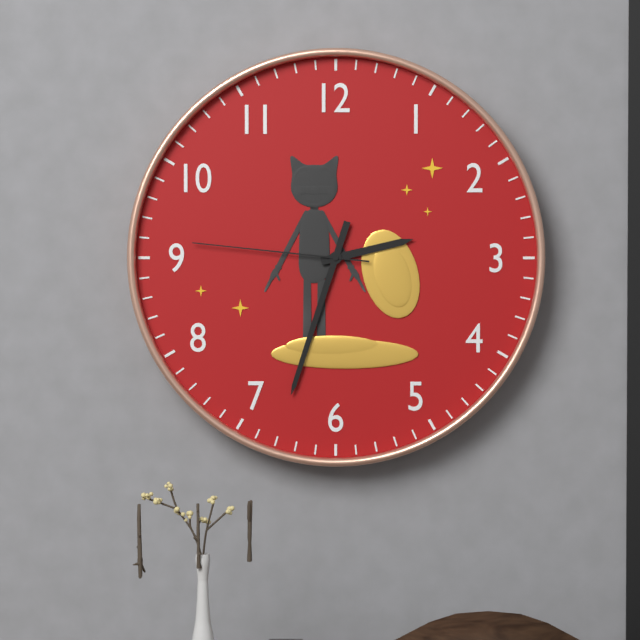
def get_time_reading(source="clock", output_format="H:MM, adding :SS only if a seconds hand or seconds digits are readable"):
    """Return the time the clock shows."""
2:33:46
